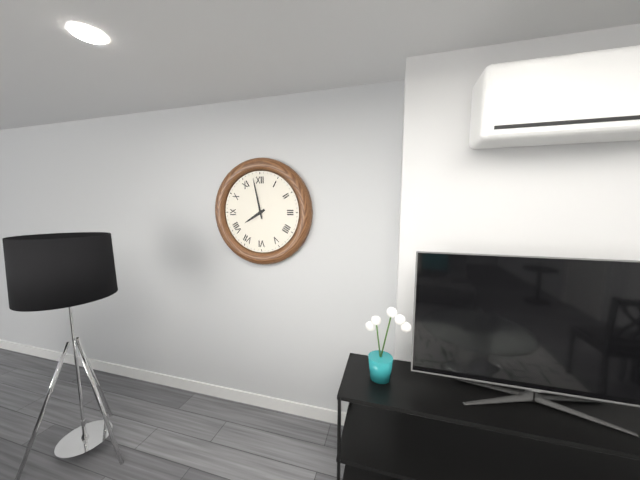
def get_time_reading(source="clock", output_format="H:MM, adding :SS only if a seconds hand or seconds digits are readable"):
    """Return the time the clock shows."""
7:58
